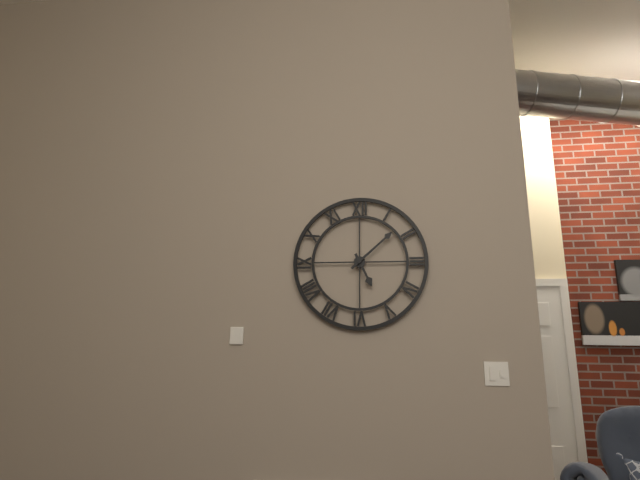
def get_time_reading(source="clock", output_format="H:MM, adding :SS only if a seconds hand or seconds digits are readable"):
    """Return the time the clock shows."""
5:08
